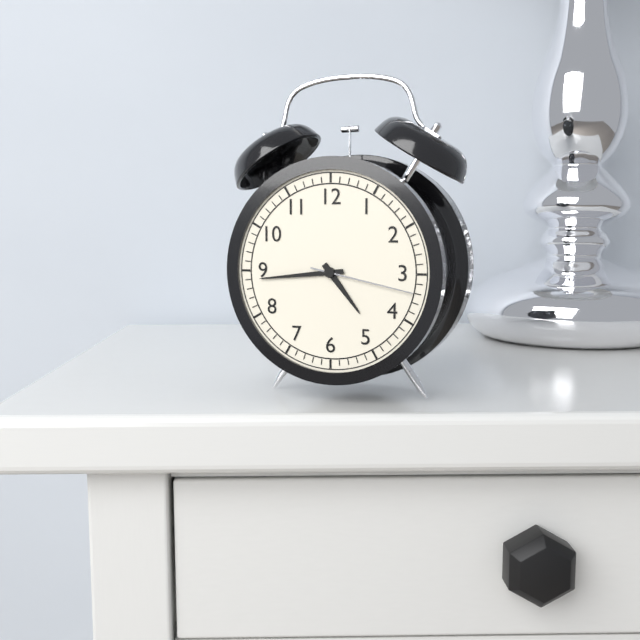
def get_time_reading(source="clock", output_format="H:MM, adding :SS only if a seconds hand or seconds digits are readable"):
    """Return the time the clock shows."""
4:44:17
